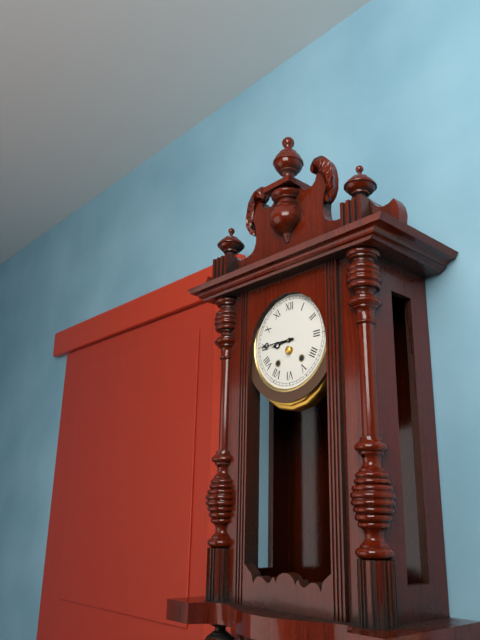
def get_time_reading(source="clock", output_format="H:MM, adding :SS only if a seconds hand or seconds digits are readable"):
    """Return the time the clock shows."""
8:45
